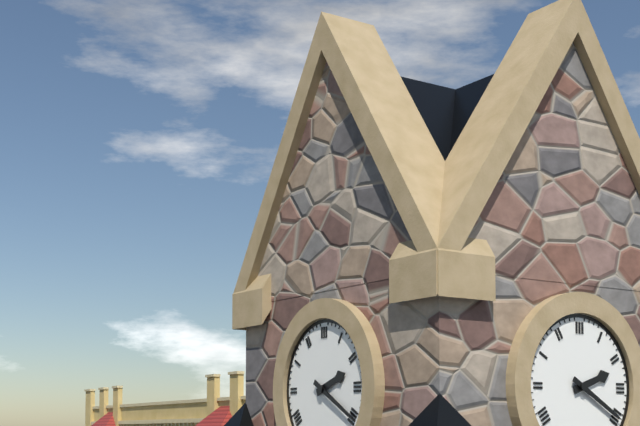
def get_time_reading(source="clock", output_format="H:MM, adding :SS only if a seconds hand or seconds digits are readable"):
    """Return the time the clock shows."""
2:20
